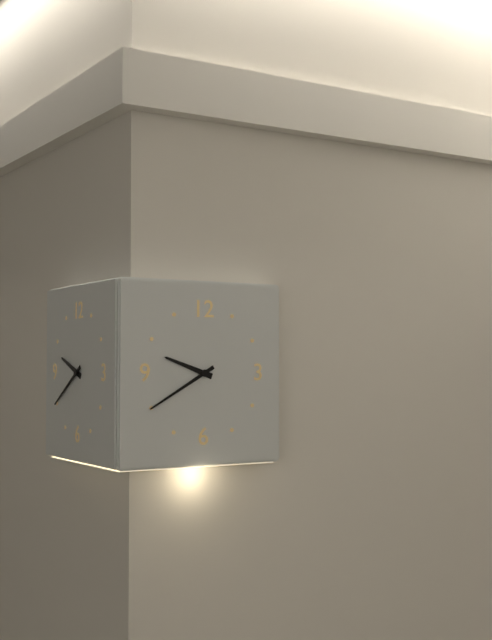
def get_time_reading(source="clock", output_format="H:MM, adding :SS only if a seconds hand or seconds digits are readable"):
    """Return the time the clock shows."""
9:40
